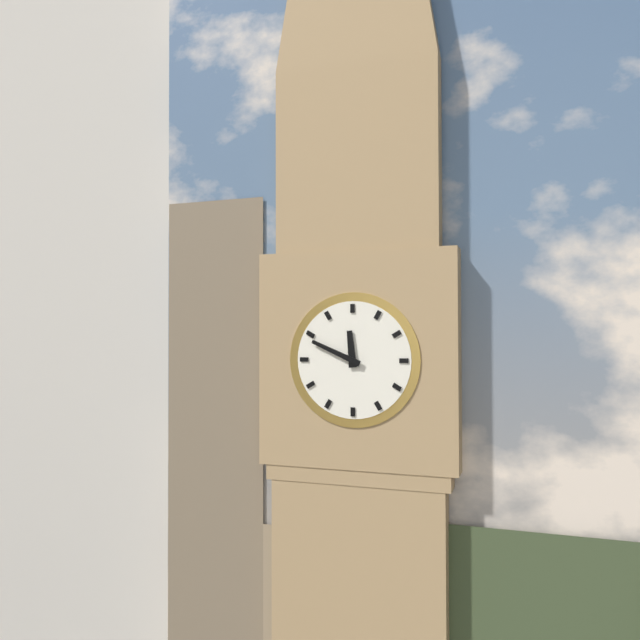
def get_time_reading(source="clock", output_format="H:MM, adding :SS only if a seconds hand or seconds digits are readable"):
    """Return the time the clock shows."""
11:49
